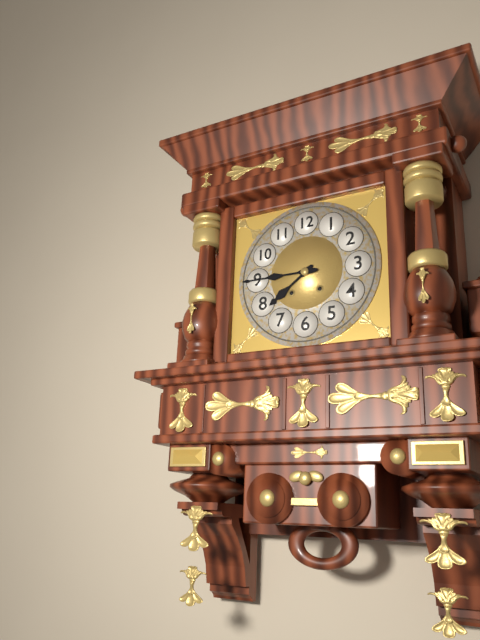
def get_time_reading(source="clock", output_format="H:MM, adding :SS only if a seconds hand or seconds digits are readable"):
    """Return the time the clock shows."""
7:45
